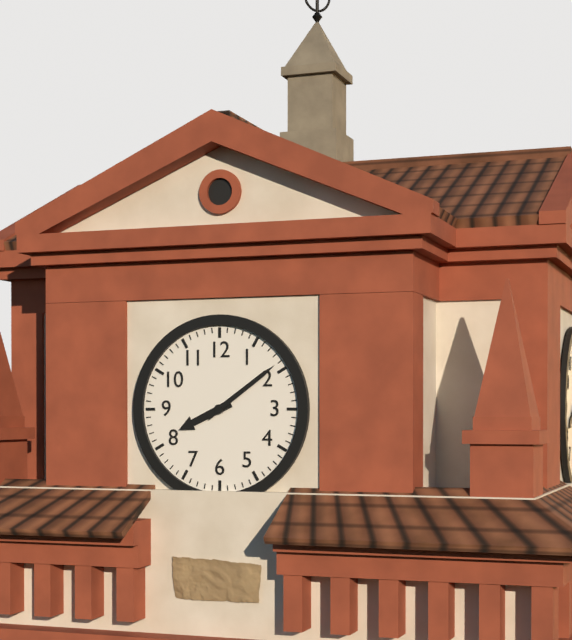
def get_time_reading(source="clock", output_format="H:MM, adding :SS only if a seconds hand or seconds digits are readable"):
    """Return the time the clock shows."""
8:09
